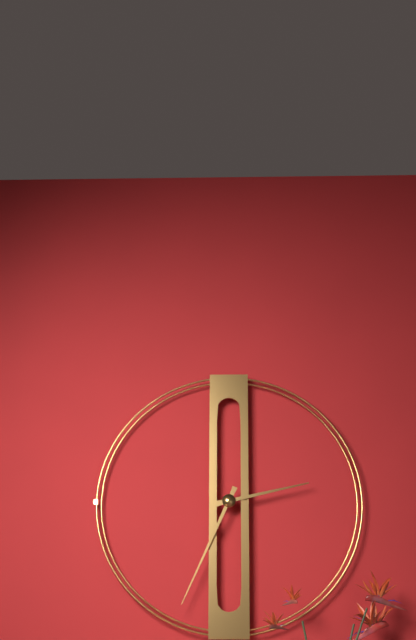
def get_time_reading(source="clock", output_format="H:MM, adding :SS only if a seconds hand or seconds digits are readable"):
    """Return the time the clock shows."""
2:34
